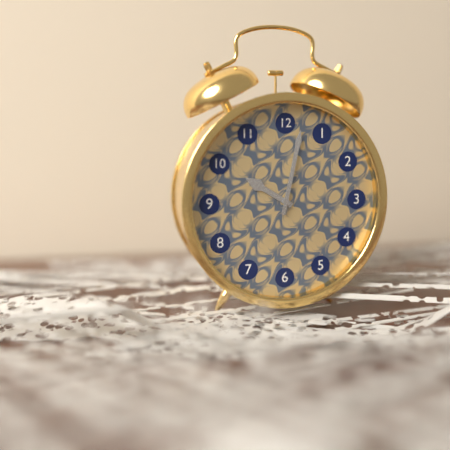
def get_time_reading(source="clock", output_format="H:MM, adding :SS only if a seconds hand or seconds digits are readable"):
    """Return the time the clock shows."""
10:02
